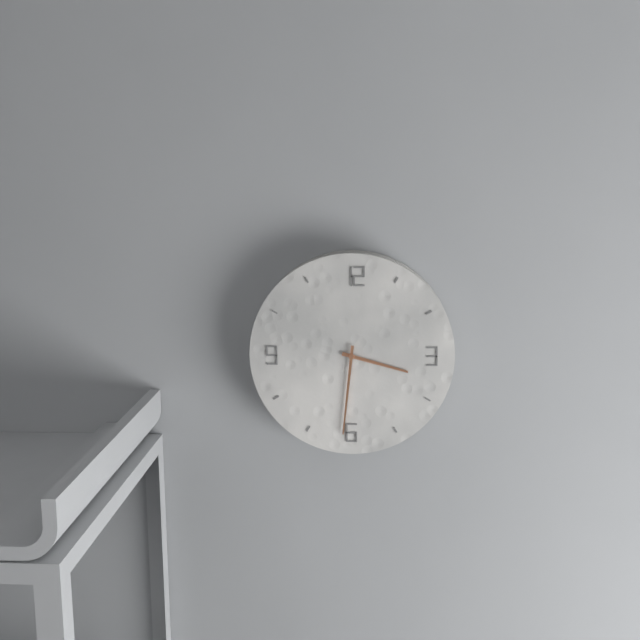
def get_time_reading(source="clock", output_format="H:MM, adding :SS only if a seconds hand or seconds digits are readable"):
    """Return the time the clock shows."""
3:31
